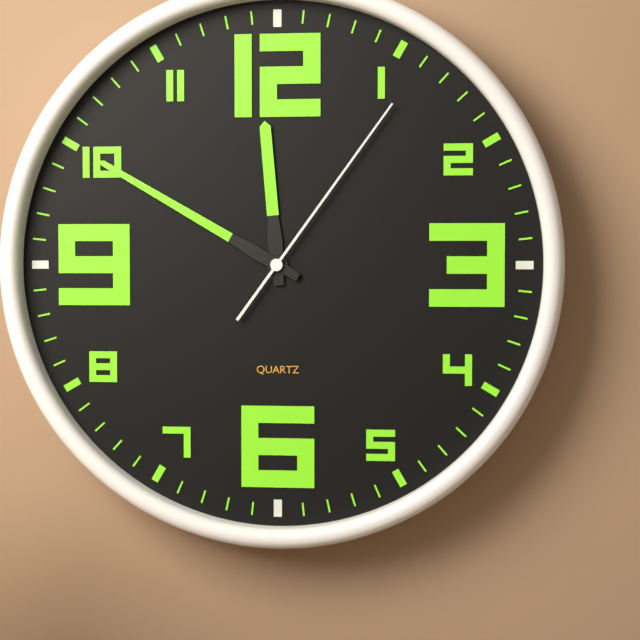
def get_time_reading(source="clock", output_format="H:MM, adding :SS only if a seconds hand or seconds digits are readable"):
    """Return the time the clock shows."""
11:50:06
